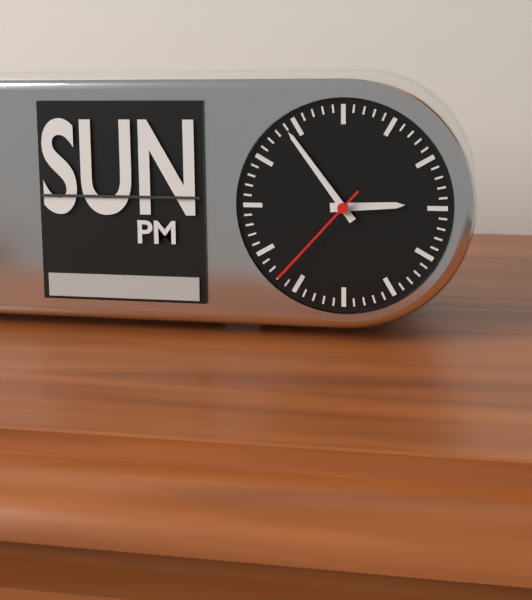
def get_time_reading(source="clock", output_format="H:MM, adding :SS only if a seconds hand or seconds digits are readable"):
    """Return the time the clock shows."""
2:54:37
